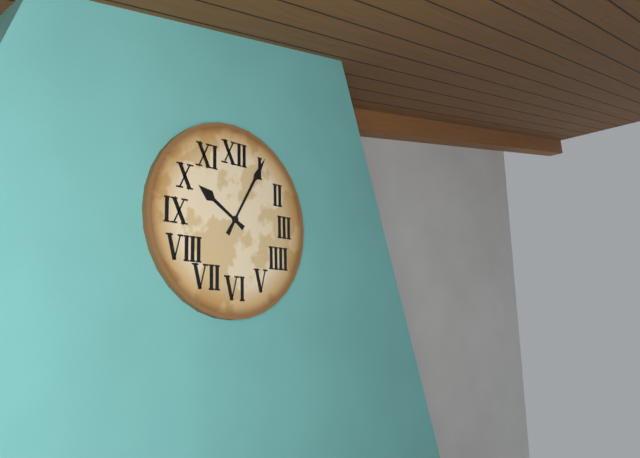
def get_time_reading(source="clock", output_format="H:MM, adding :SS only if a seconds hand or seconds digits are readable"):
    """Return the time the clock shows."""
10:05
